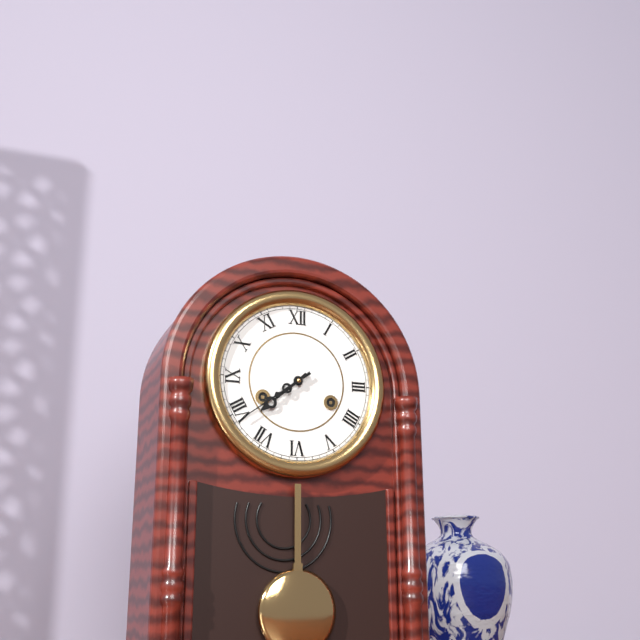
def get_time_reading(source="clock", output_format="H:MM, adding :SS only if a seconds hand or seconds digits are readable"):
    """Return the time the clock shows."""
7:39
